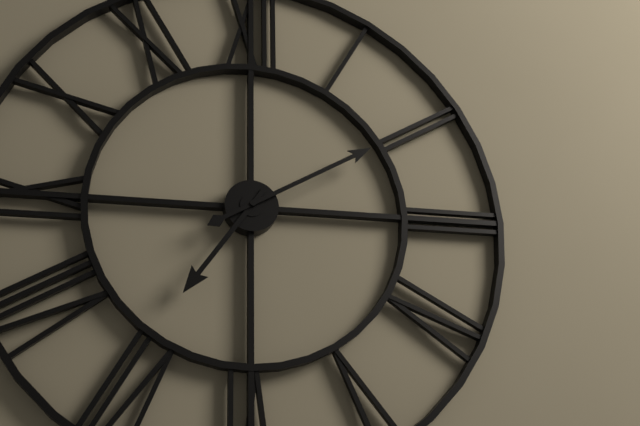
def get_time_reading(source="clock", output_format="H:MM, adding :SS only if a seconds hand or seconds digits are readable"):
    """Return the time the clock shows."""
7:10
